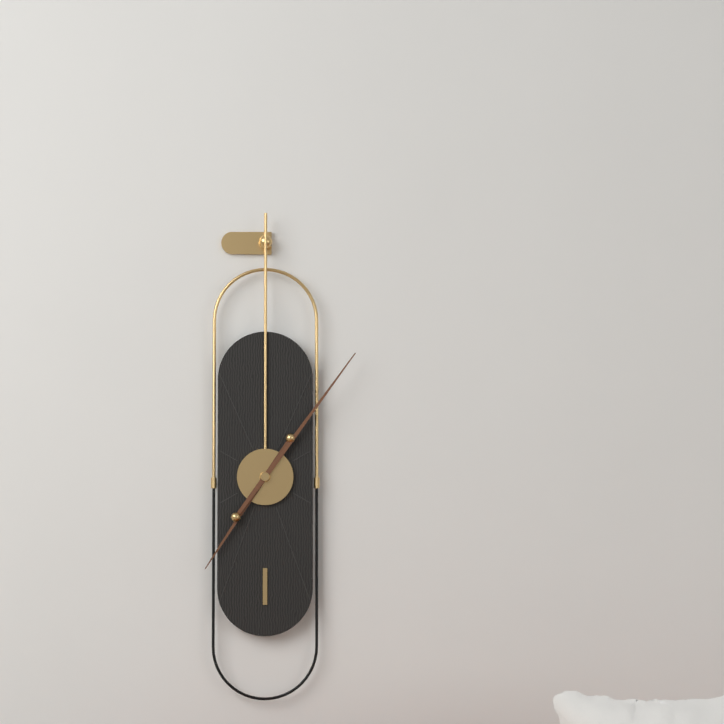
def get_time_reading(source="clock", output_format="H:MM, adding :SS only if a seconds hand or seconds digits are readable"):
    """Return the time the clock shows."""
7:06
